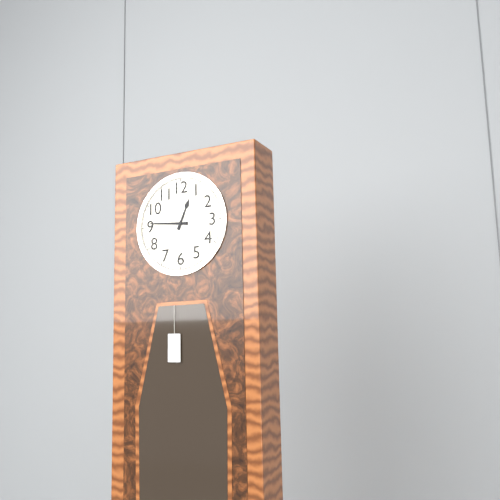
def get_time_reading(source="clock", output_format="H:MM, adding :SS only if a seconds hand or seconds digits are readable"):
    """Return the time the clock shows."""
12:46
